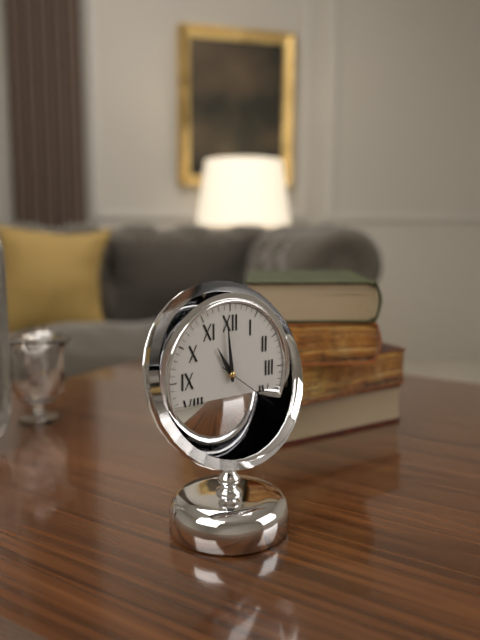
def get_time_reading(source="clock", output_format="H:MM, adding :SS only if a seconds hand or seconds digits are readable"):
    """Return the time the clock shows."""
10:59:21
